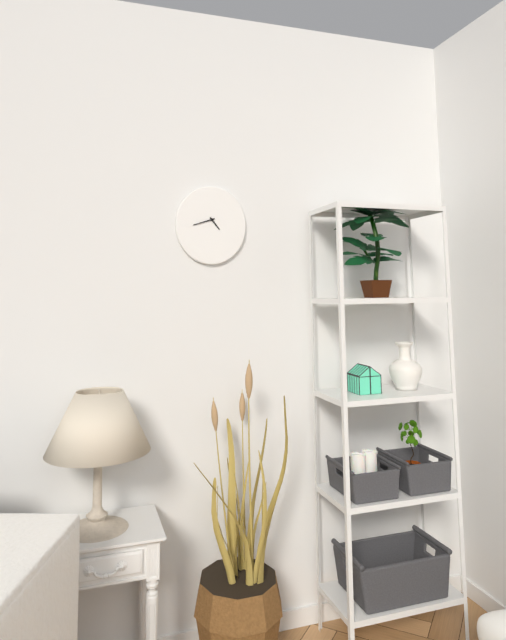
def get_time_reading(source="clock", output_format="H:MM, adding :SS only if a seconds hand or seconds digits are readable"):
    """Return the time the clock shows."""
4:42
